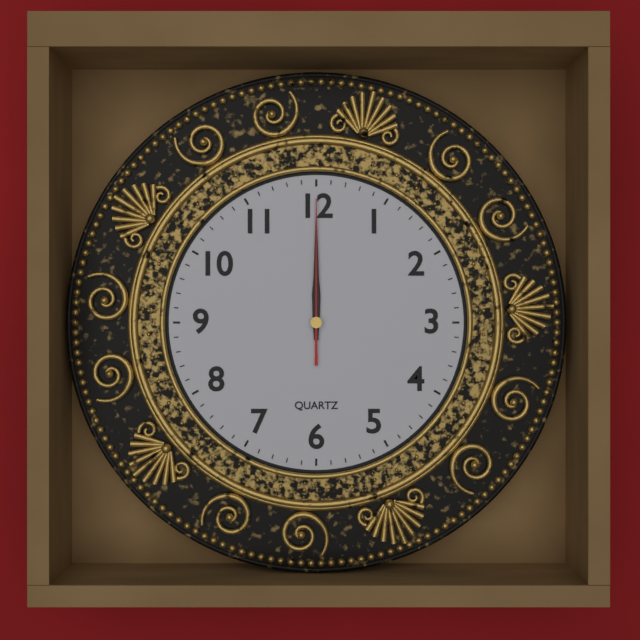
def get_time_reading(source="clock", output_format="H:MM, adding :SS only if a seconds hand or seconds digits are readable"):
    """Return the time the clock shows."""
12:00:00
